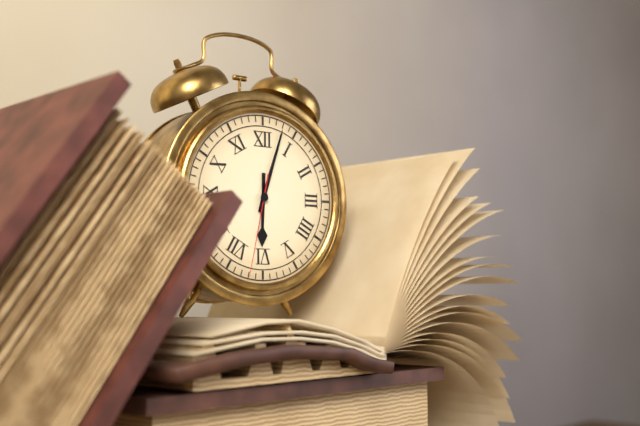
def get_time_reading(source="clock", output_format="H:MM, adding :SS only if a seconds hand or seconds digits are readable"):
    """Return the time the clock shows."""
6:03:32
